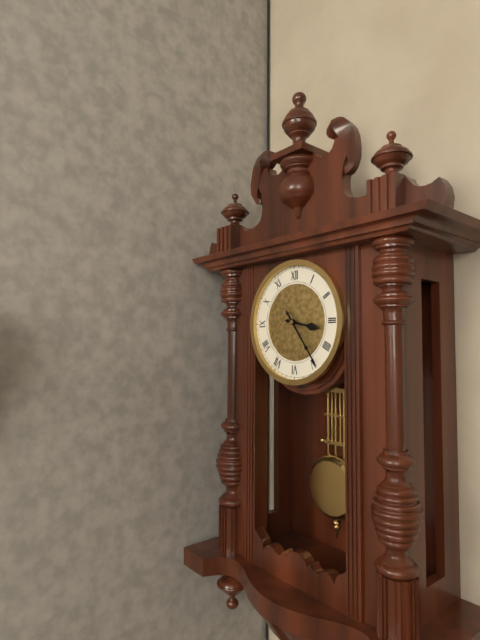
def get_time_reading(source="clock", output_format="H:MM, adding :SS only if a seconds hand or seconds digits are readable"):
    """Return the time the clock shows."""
3:24
